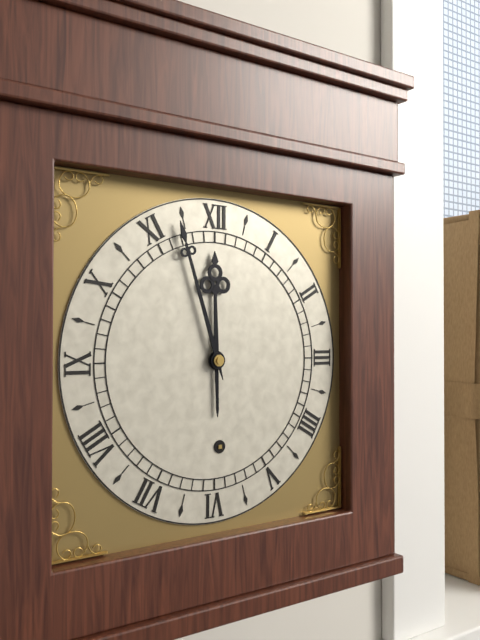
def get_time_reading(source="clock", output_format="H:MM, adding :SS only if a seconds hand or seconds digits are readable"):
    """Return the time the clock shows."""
11:57
